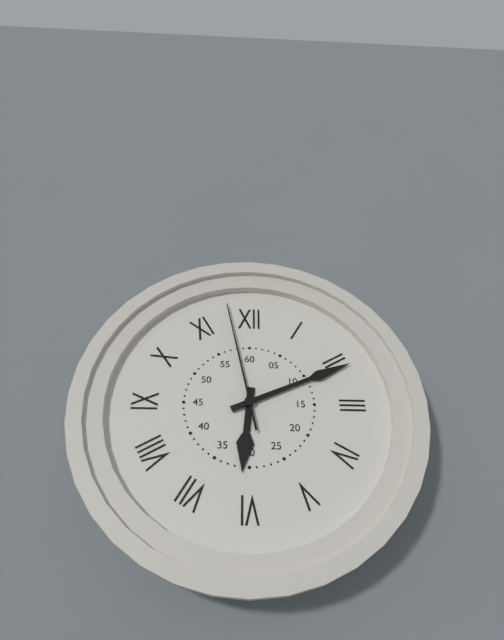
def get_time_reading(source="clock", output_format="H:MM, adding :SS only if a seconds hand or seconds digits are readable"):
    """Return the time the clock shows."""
6:11:58
